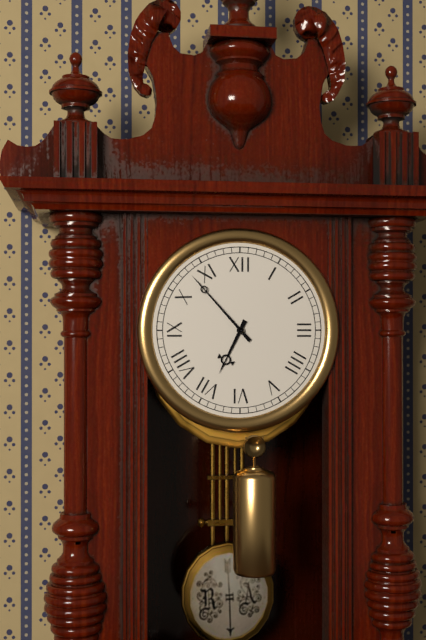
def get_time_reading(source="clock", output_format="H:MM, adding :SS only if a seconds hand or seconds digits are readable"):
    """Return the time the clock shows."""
6:53
